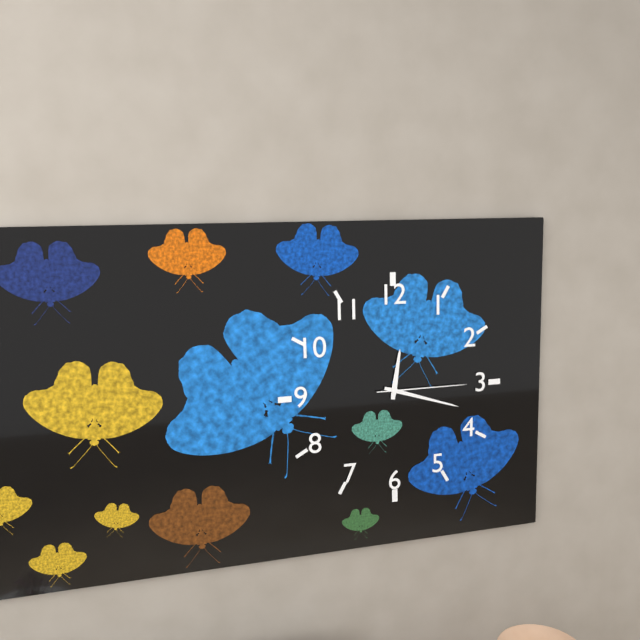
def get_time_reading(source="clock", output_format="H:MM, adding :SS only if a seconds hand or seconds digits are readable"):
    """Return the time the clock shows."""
12:18:15
